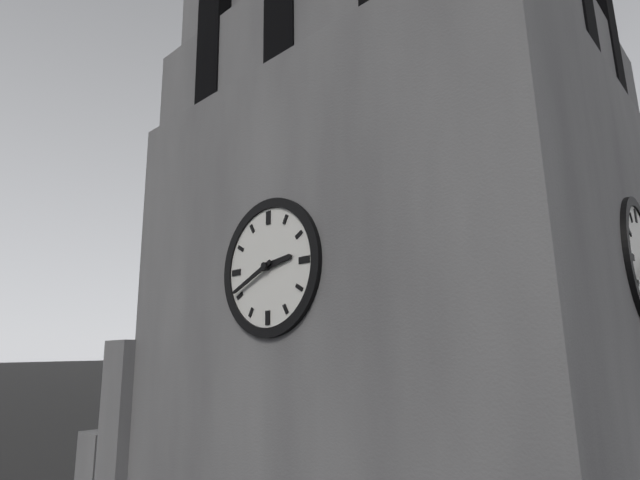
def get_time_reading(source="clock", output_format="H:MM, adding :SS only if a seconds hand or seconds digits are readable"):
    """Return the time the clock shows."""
2:41
